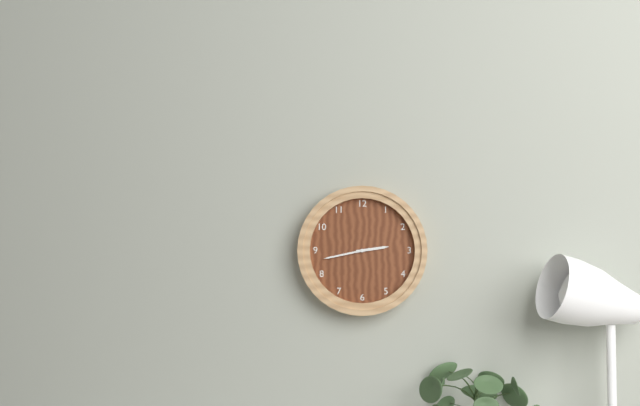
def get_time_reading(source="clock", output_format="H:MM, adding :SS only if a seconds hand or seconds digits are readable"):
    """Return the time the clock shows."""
2:43
